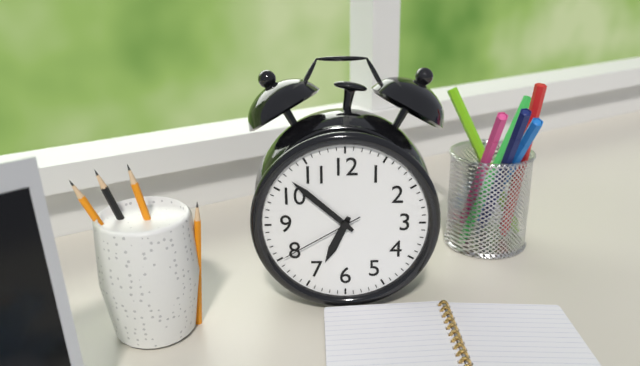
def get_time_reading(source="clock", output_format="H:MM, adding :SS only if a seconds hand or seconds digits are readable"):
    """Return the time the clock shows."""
6:52:40
